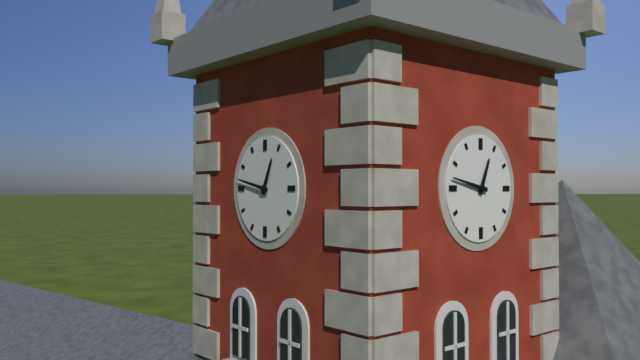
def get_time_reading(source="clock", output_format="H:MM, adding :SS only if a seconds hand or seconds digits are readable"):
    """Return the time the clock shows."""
12:47
